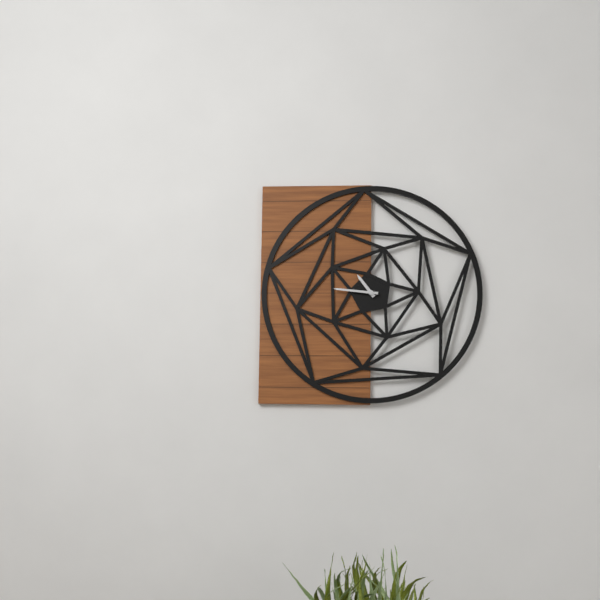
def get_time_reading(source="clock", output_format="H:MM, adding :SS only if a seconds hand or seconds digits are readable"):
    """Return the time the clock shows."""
10:46
